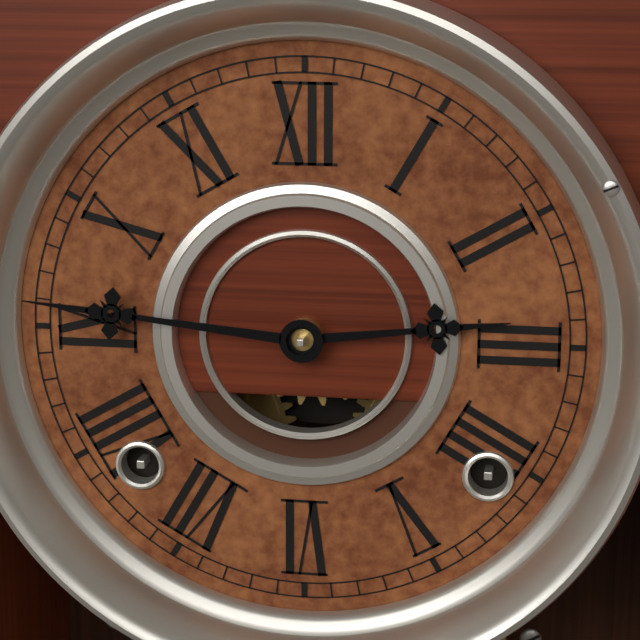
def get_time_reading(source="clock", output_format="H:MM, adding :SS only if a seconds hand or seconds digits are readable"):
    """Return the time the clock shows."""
2:46
